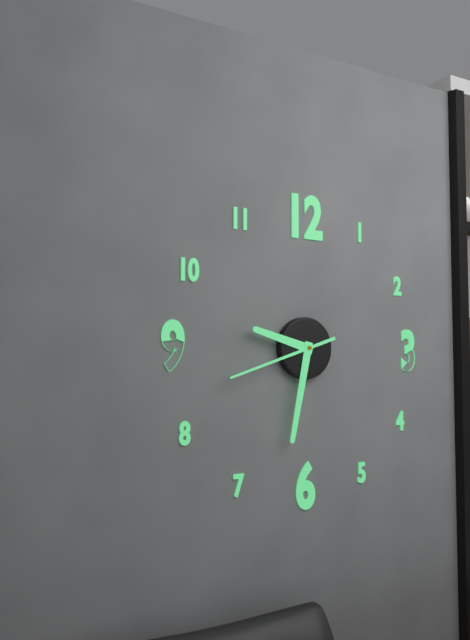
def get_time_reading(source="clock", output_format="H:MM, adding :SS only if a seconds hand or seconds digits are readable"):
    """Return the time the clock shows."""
9:32:42
